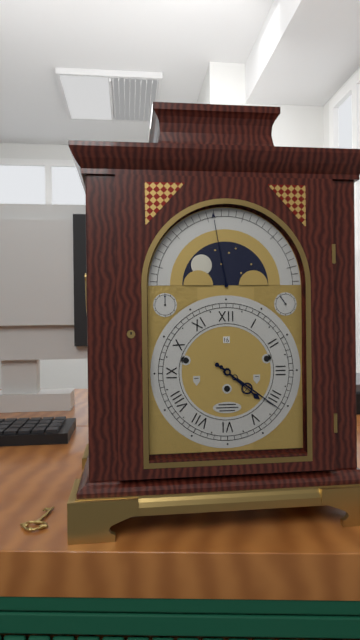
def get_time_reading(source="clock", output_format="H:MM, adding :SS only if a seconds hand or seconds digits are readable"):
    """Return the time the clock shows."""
4:21
